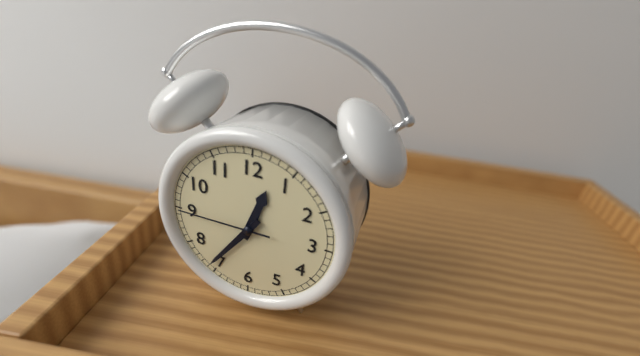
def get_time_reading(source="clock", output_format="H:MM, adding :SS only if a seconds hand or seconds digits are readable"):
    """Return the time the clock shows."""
12:36:45
